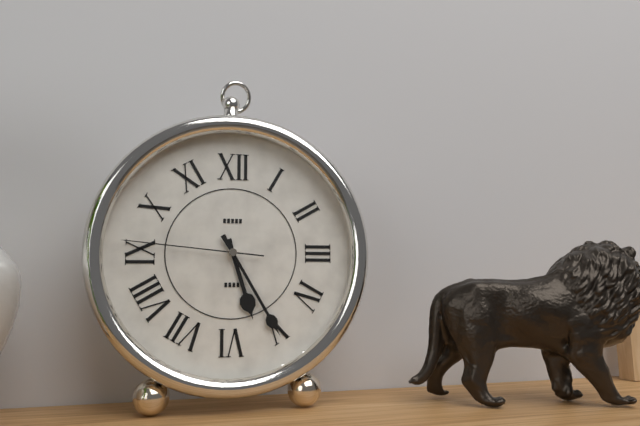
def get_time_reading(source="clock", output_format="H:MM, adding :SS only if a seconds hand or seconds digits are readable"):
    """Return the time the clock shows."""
5:25:46
